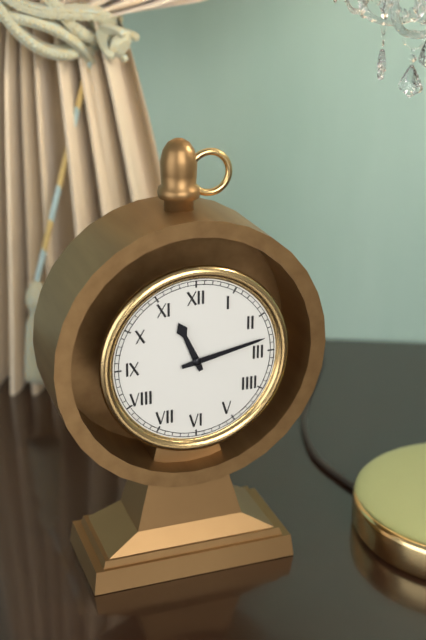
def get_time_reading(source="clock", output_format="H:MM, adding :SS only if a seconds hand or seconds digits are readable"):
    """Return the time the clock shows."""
11:13
